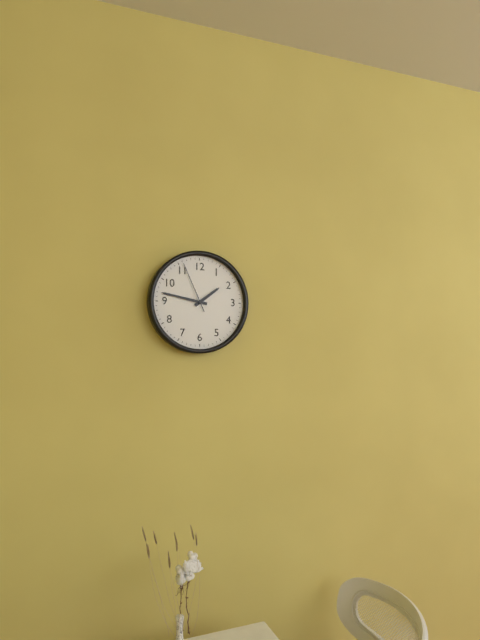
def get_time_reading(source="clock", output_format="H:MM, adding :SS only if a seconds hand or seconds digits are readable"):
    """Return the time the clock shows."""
1:47:56
